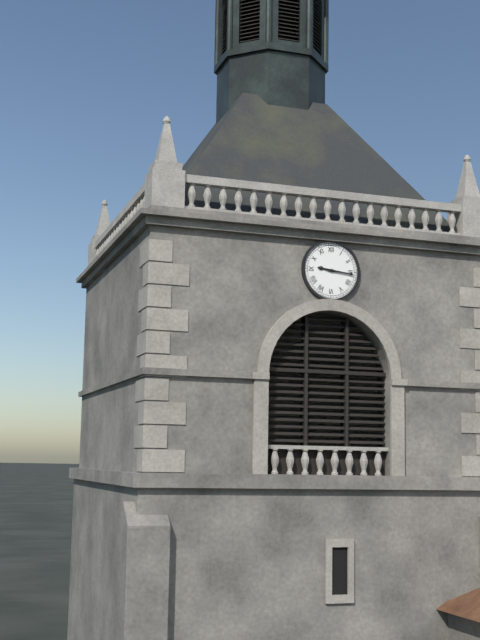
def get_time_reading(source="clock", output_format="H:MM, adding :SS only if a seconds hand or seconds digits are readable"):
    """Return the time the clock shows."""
9:16
